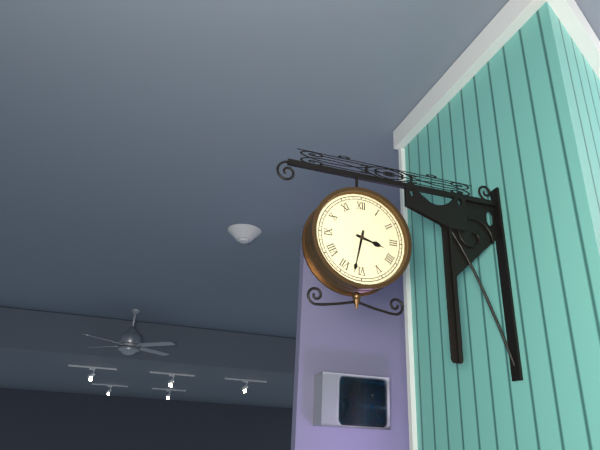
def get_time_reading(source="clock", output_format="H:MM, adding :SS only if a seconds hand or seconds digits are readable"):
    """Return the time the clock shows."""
3:32
